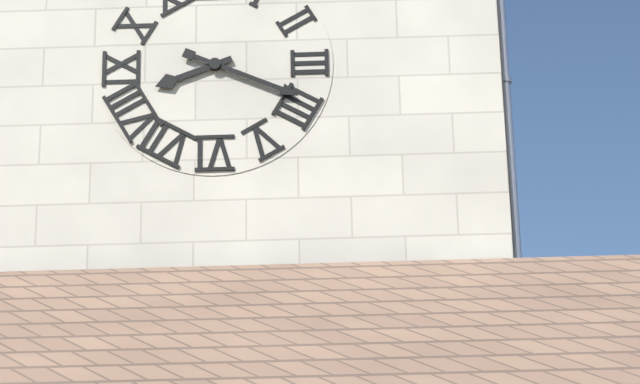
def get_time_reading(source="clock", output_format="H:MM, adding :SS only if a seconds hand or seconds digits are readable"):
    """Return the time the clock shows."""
8:19
